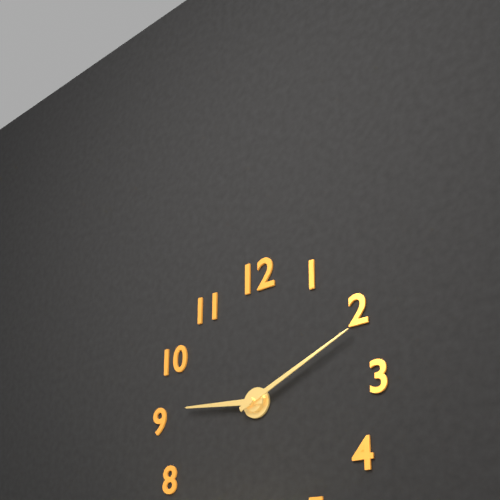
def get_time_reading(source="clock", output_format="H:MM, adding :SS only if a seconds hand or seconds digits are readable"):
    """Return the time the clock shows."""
9:11
